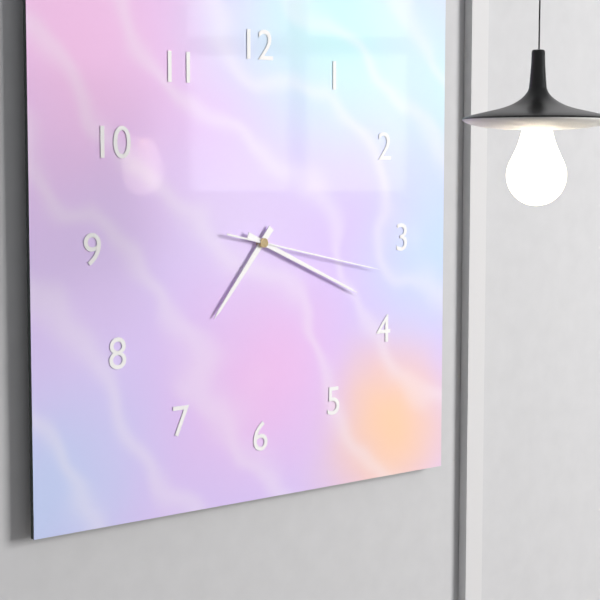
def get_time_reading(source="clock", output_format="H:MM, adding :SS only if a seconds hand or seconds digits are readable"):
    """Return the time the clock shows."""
7:19:17
